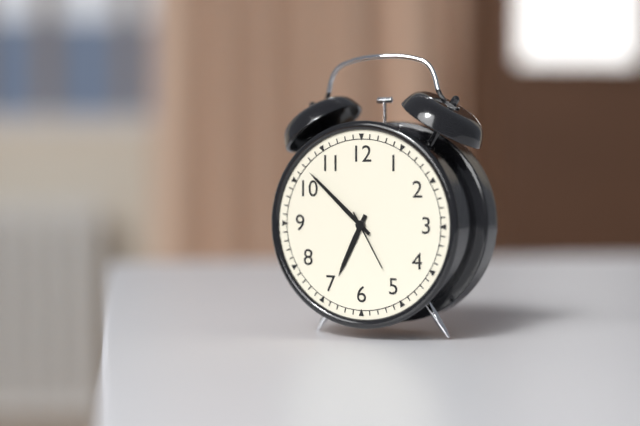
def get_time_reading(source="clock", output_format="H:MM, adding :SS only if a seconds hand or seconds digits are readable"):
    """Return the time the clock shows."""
6:52:25
